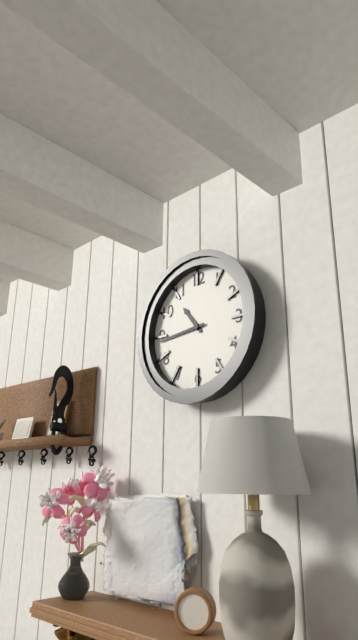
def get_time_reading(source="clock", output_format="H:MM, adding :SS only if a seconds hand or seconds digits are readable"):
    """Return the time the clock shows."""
10:44
